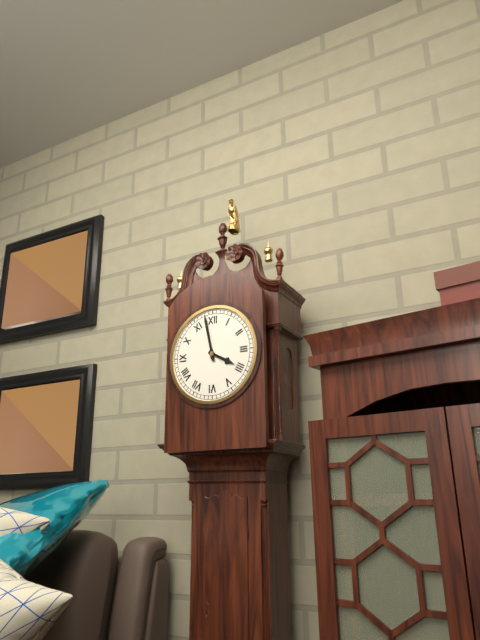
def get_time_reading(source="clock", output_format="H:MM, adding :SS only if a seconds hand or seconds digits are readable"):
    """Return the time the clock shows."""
3:58
